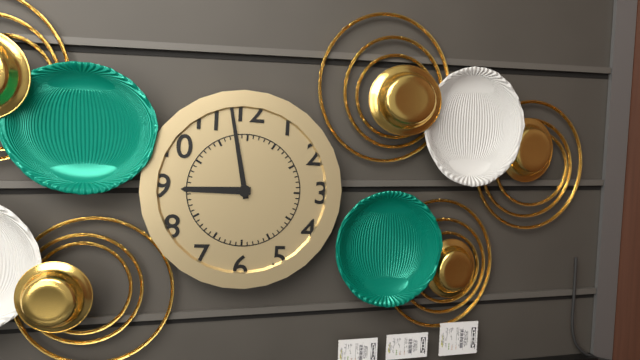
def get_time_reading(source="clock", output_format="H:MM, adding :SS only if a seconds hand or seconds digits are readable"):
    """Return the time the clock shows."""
8:58
